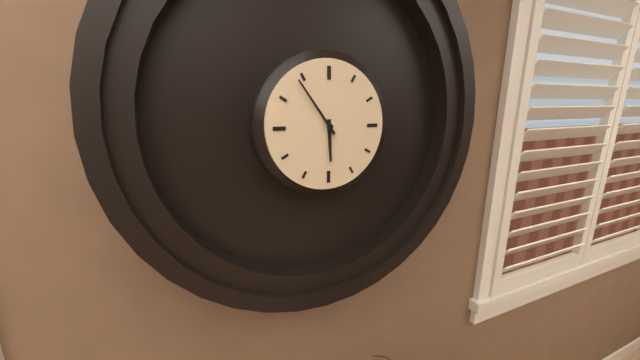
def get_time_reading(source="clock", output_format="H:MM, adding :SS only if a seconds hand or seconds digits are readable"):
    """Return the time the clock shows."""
5:54
